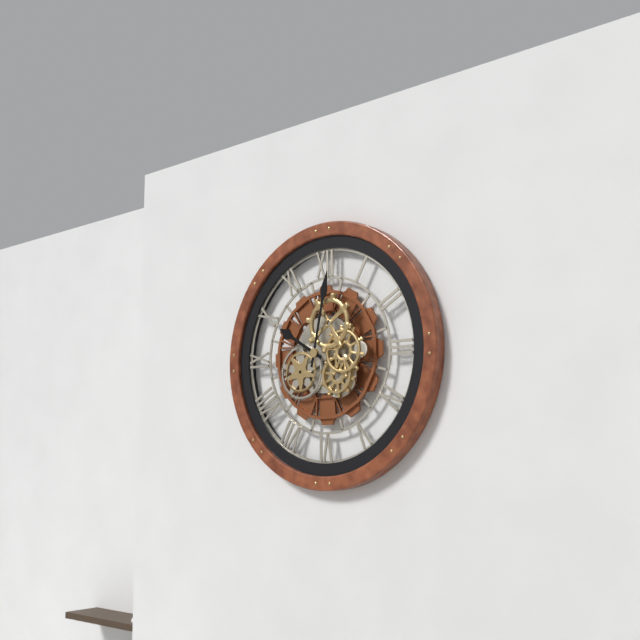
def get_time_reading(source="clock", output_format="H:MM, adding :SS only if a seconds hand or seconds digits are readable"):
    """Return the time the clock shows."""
10:02
